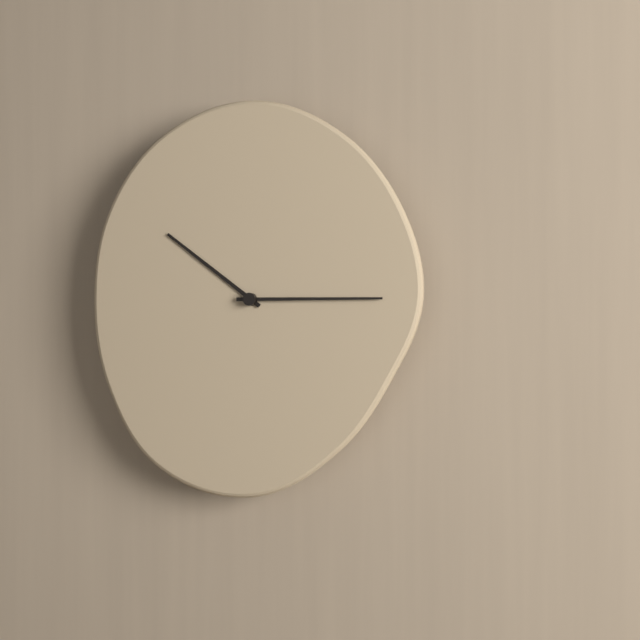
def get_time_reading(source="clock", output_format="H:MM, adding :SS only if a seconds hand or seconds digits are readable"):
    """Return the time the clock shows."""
10:15
